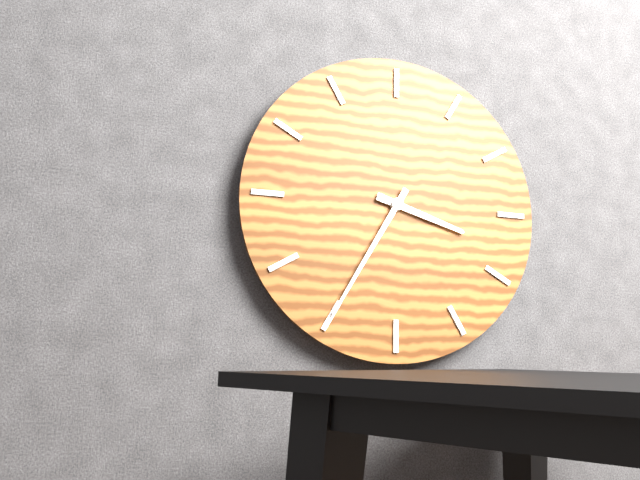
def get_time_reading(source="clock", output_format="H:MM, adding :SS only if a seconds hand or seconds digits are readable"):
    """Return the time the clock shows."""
3:35
